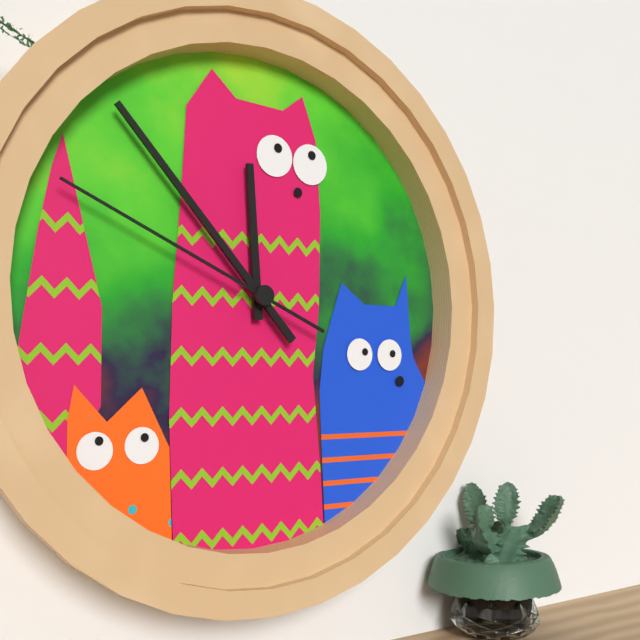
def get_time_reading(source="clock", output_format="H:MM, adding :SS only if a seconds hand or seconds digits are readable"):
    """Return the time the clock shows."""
11:53:49
